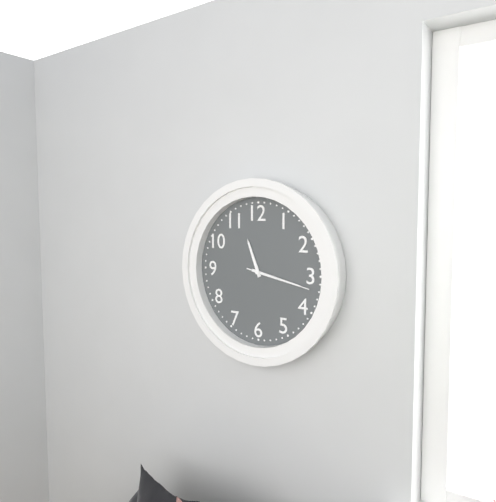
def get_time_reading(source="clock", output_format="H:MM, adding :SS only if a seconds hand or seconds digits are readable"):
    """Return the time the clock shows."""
11:17:17
